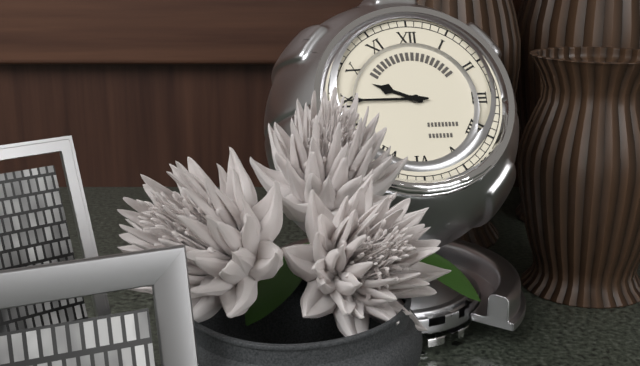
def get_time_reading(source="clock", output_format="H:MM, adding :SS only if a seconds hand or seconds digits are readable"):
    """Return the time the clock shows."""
9:45
